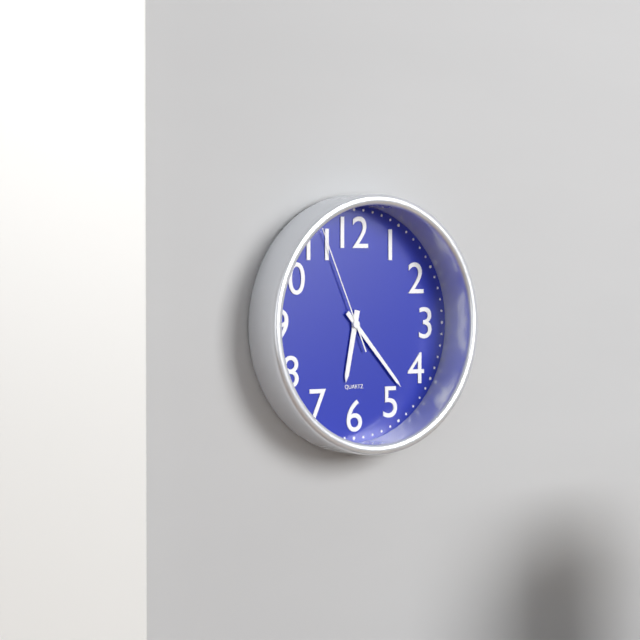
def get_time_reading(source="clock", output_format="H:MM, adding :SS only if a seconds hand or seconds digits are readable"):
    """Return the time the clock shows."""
6:23:56
